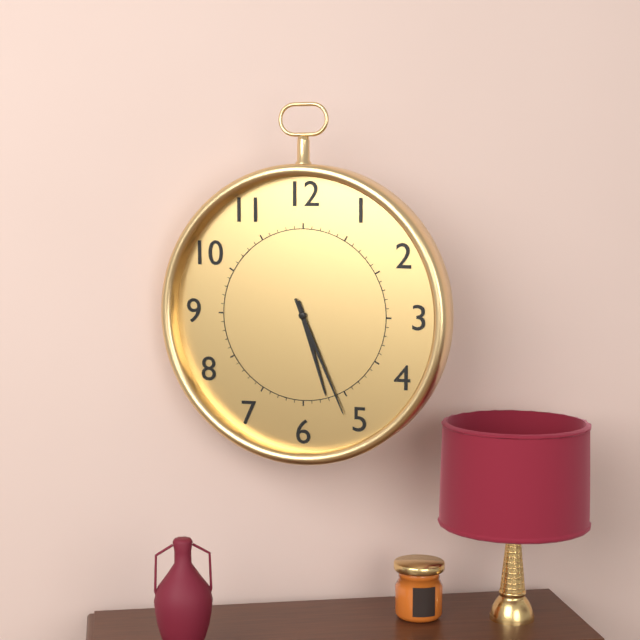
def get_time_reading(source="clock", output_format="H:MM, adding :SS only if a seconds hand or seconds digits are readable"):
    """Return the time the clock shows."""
5:26
